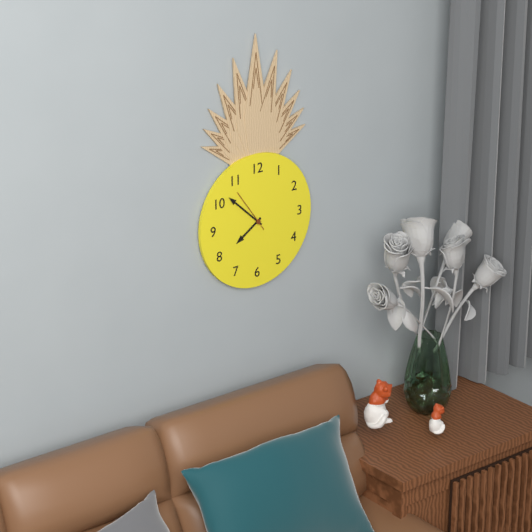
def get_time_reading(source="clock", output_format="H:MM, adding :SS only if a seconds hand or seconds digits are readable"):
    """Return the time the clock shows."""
7:52
